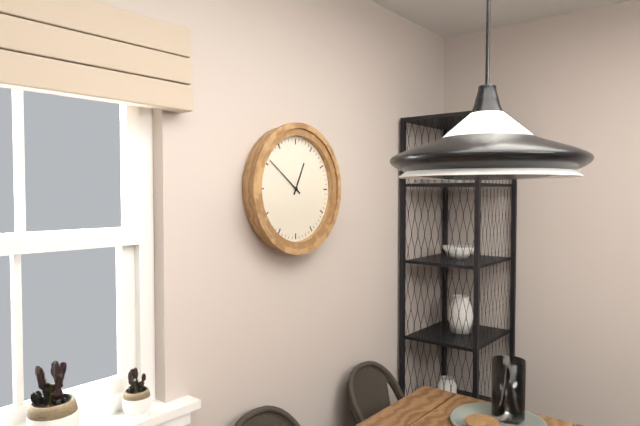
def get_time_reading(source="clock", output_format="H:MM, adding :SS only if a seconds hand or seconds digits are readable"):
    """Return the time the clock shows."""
12:51
